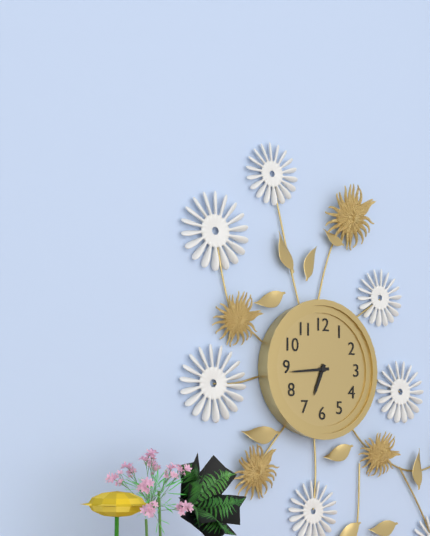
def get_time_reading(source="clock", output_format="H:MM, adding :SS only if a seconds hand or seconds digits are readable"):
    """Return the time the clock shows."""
6:44
